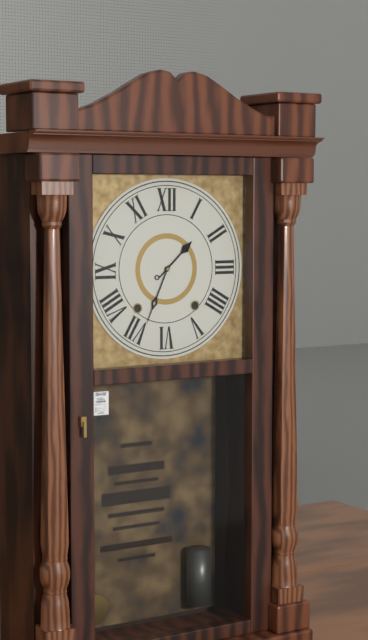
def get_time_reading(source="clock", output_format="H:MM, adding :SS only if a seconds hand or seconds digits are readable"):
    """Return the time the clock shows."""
1:34
